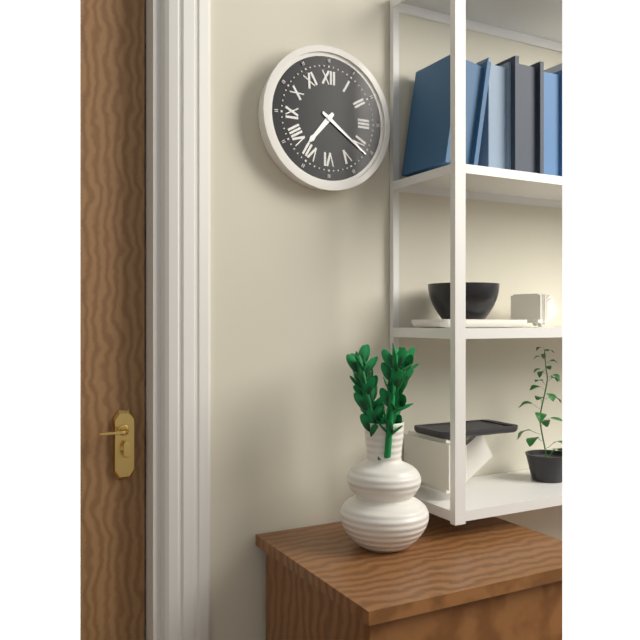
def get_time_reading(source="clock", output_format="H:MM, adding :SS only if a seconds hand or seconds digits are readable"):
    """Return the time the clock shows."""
7:21
